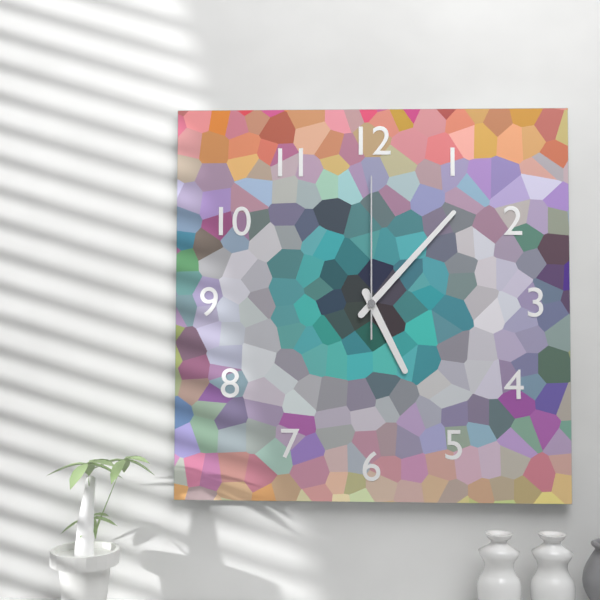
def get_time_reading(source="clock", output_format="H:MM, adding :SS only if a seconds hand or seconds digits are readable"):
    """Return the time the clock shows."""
5:07:00
